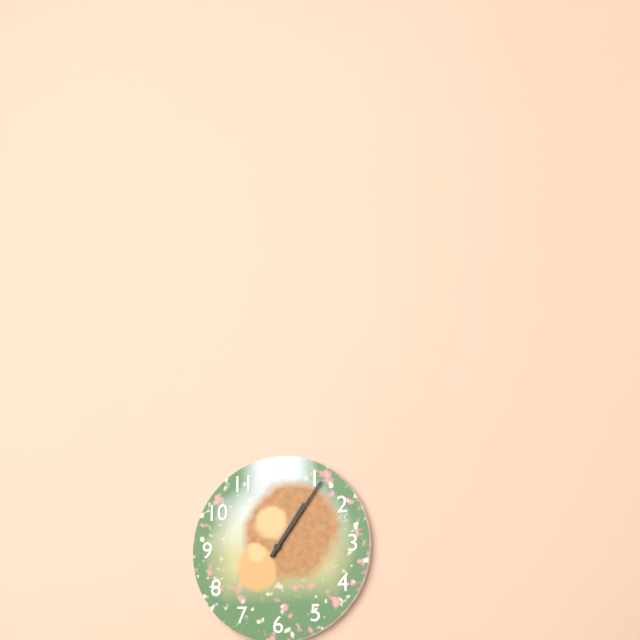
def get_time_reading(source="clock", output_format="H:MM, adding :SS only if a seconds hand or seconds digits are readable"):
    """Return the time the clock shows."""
1:06
